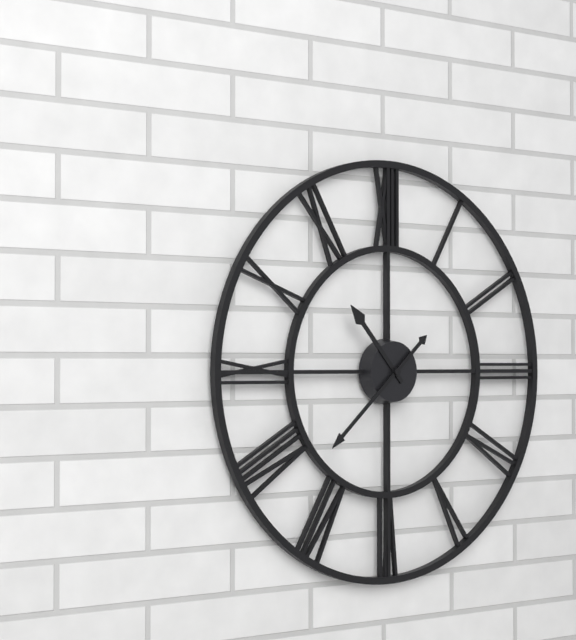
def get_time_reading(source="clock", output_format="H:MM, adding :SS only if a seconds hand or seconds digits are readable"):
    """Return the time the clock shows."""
10:38
